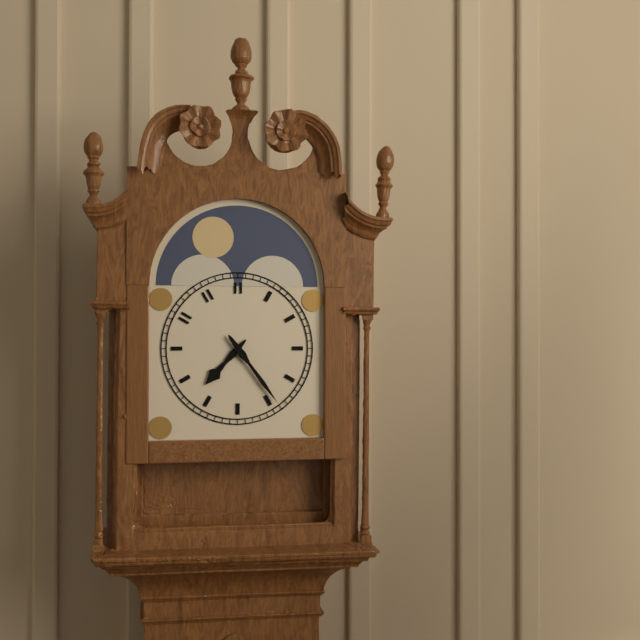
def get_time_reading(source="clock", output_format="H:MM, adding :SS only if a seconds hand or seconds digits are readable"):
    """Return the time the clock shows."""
7:24
